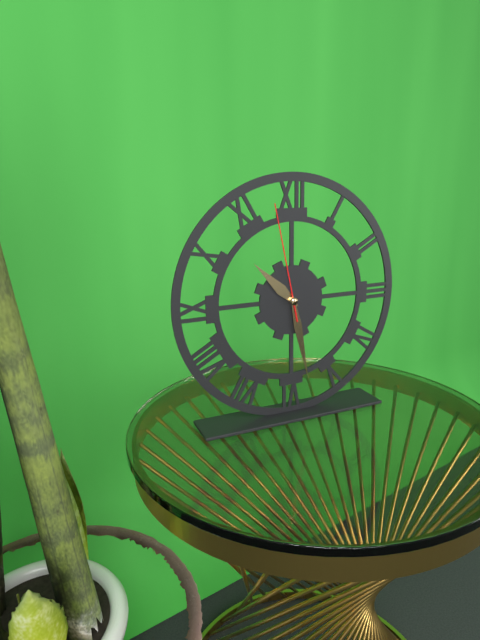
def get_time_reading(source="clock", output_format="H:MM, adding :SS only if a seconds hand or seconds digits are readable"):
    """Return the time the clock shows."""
10:28:58
